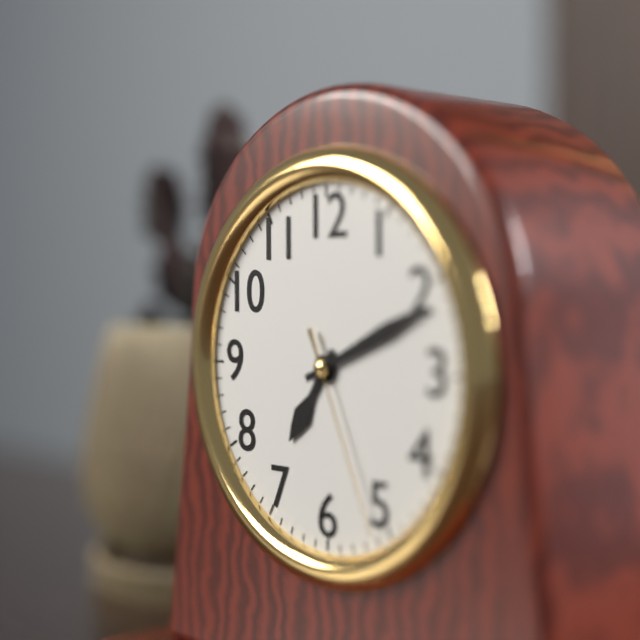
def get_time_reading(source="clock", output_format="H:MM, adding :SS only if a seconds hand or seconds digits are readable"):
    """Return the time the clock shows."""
7:11:26
